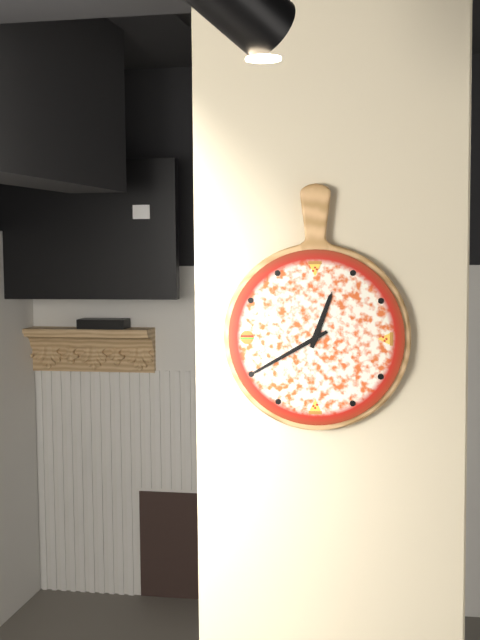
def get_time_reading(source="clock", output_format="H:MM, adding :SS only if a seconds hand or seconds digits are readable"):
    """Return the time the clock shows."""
12:40
